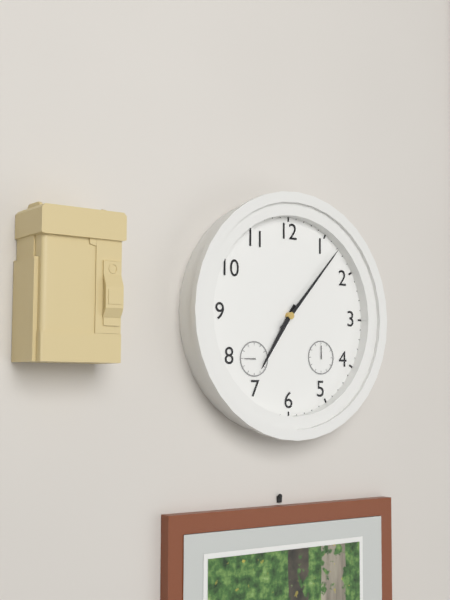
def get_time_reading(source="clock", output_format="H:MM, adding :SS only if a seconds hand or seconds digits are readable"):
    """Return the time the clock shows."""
7:07
